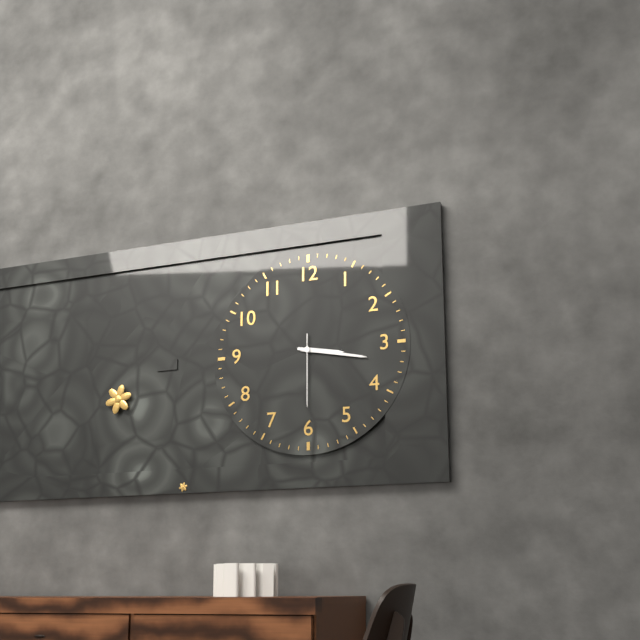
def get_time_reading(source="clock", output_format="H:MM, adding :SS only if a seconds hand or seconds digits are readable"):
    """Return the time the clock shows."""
3:17:30
